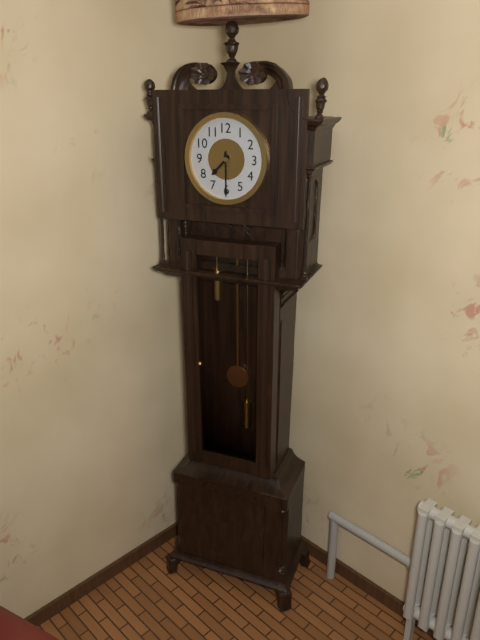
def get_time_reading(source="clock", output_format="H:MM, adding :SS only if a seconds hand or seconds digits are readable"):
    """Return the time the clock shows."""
7:30
